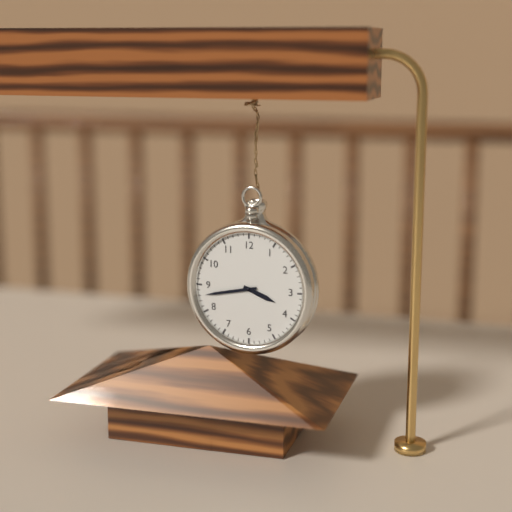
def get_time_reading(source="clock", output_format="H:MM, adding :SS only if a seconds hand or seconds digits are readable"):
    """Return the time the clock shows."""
3:43
